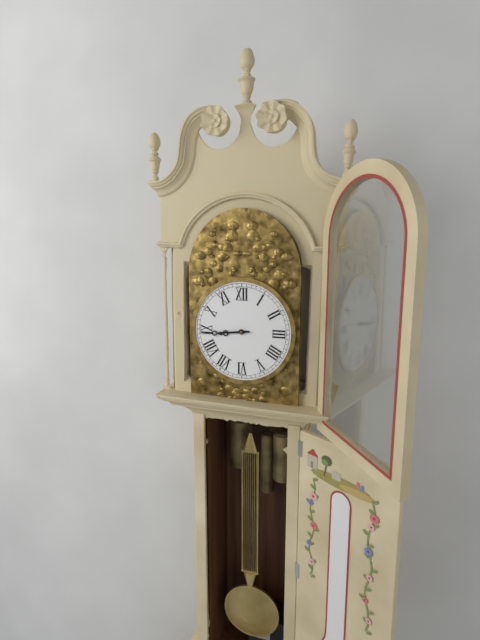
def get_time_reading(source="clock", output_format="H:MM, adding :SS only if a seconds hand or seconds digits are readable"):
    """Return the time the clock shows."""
8:44
